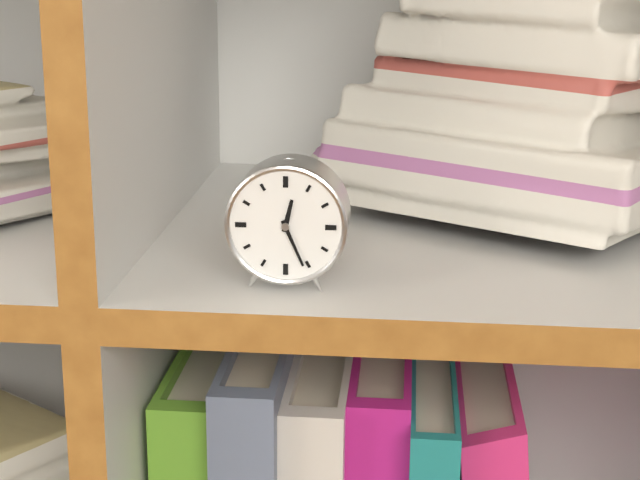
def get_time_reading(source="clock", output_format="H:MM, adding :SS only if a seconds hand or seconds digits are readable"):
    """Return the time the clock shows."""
12:26
